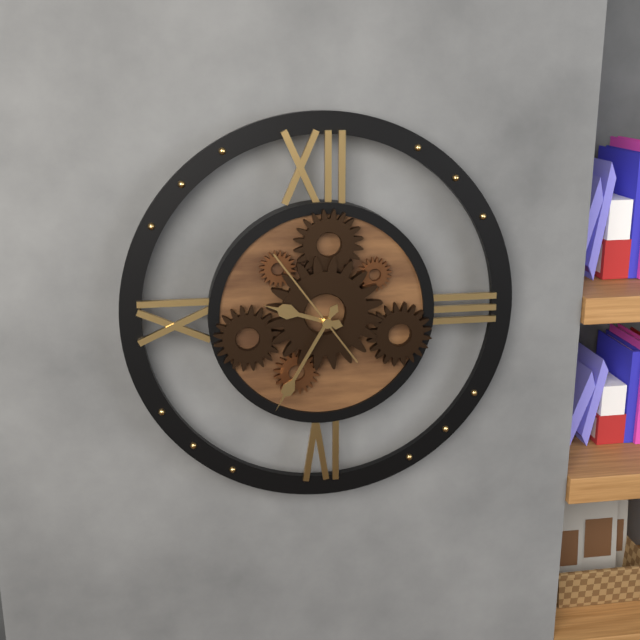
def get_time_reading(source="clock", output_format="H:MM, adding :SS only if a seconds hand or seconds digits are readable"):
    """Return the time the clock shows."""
9:35:54
